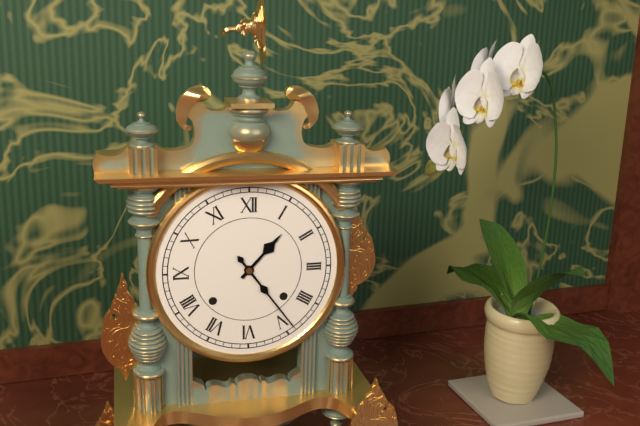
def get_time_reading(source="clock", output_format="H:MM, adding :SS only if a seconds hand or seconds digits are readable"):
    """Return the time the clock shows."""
1:24
